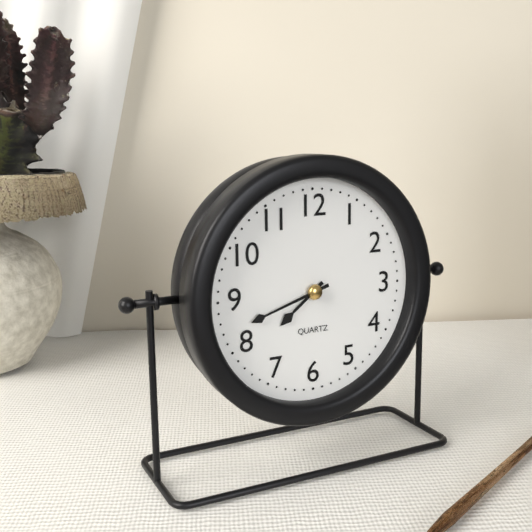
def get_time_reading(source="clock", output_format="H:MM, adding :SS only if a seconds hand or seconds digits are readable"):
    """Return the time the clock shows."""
7:42
